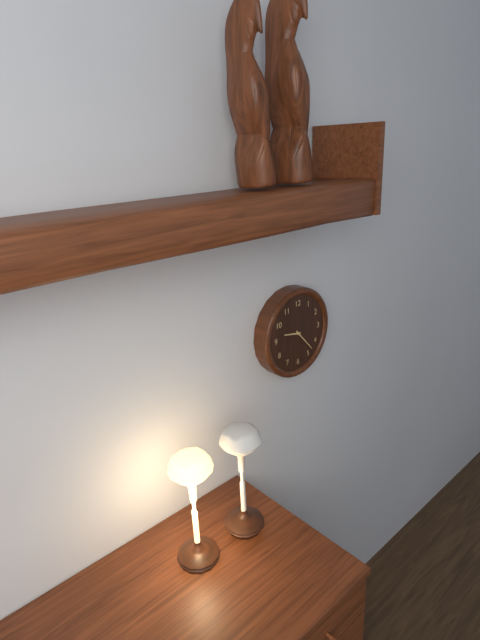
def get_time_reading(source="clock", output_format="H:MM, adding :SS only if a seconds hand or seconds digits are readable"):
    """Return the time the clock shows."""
9:23
